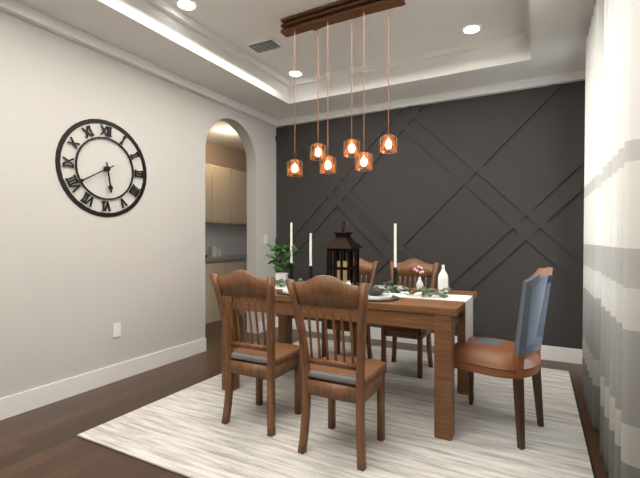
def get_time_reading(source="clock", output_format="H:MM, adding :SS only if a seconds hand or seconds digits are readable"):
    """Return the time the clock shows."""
5:40
